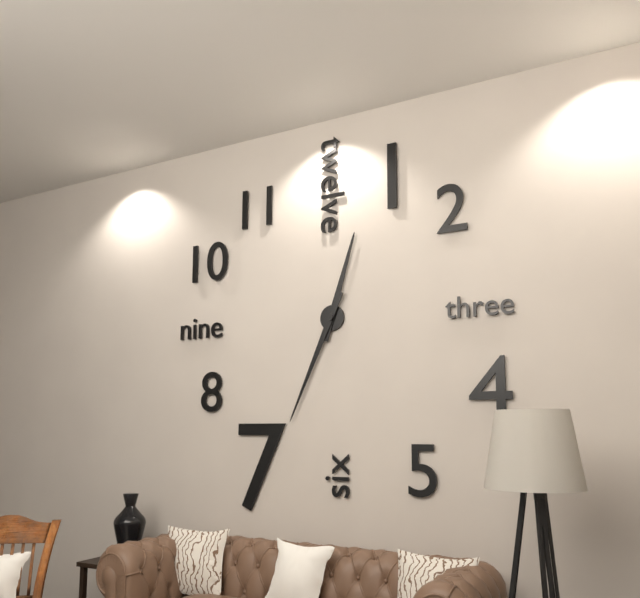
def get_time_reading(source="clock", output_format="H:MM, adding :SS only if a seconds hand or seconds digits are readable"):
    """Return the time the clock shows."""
12:34
